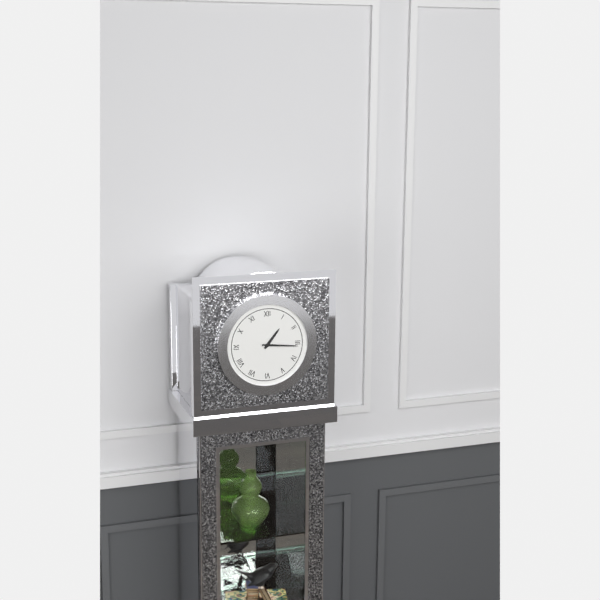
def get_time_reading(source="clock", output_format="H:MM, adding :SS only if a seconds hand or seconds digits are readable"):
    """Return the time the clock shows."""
1:16
